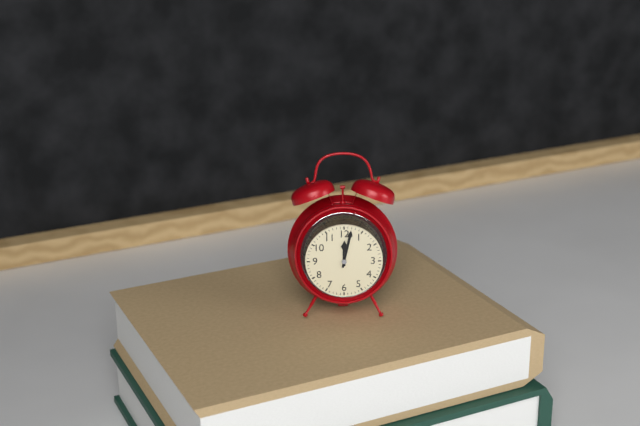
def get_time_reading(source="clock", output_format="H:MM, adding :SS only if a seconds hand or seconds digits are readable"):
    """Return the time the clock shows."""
12:02
